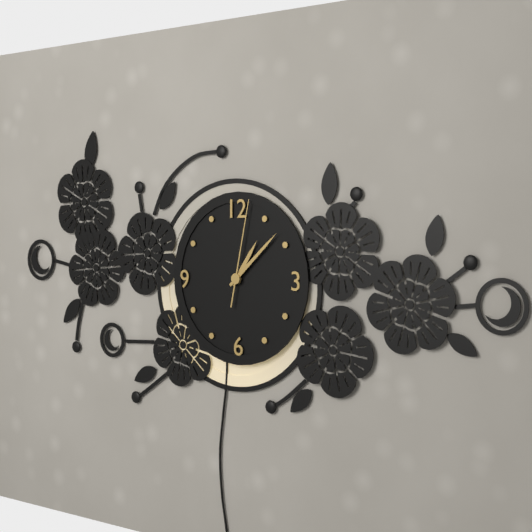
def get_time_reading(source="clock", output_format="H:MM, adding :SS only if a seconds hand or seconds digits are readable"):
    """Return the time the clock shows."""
1:08:02
